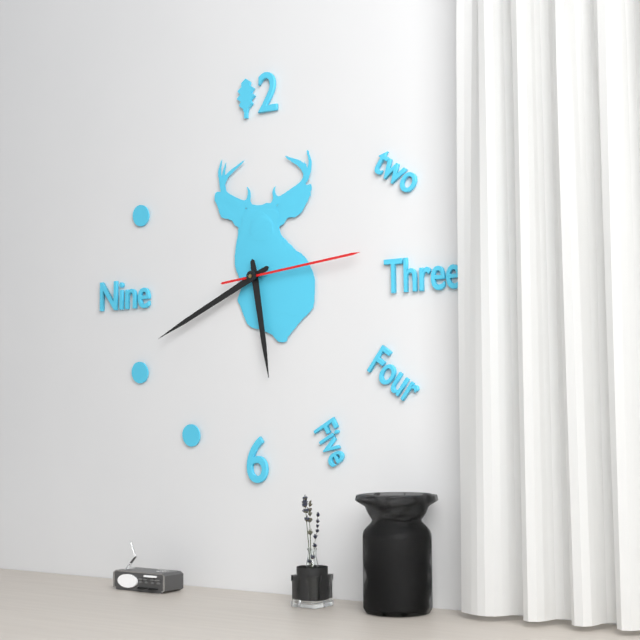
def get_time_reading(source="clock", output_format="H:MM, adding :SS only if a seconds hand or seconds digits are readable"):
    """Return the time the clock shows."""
5:41:14
